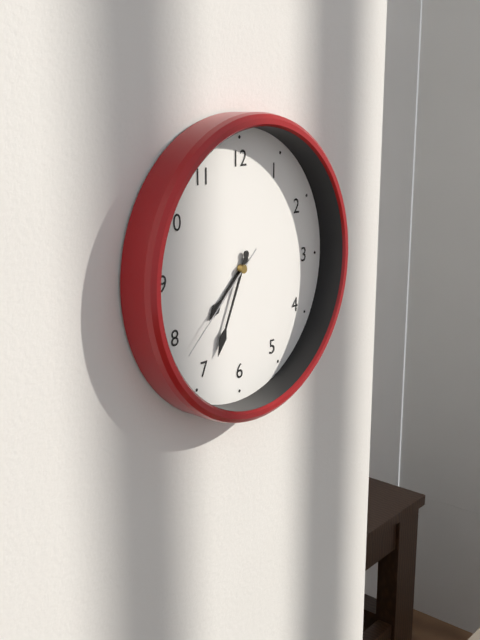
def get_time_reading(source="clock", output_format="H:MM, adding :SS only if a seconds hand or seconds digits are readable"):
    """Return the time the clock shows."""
7:34:38
